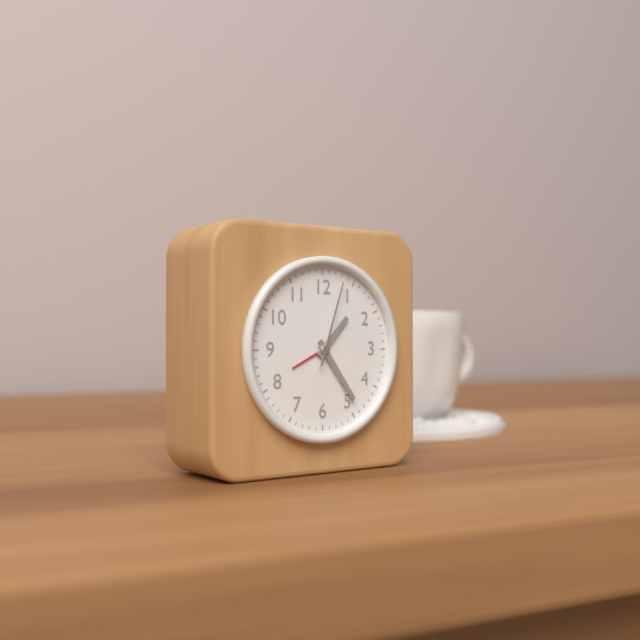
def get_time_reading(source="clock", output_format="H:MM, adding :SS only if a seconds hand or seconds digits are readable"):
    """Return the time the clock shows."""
1:24:03
